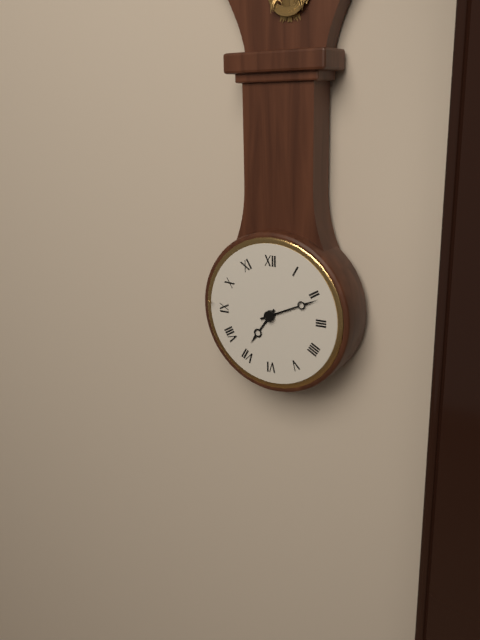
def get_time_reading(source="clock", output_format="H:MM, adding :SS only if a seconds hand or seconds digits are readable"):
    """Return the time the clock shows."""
7:11
